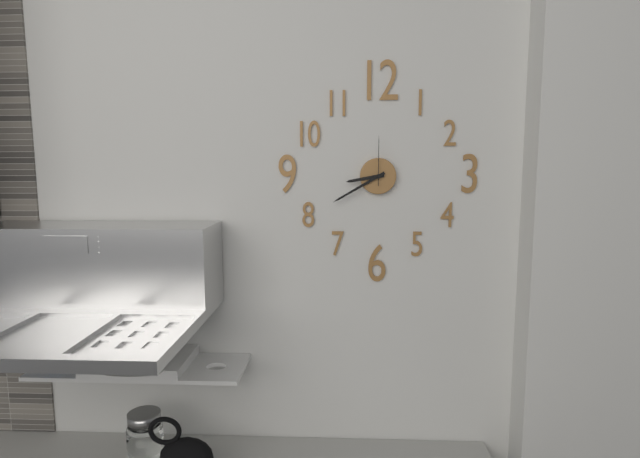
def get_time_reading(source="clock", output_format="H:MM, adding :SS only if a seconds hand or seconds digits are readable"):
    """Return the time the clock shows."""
8:40:00
